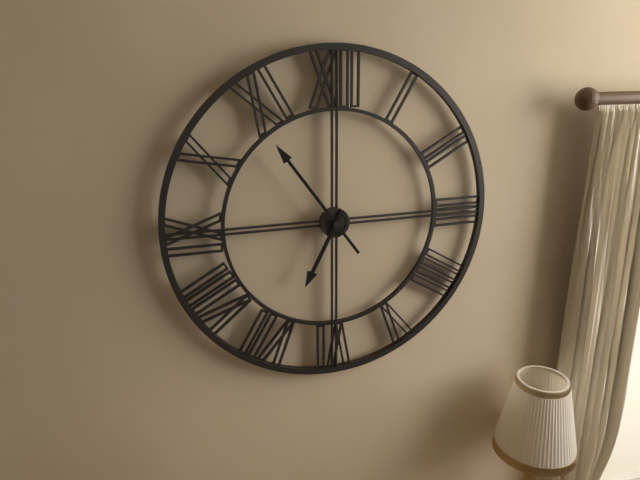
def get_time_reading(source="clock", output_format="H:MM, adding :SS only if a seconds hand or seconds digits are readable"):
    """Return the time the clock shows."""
6:54
